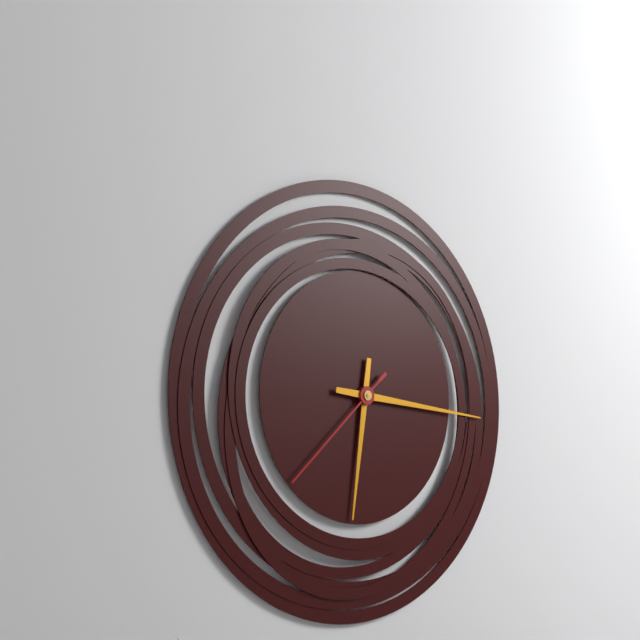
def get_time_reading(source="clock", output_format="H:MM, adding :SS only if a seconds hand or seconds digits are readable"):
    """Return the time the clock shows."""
6:16:38
